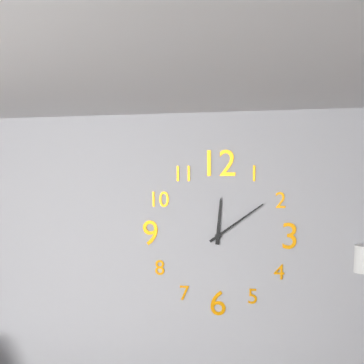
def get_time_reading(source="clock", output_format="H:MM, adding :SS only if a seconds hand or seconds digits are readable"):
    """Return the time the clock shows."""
12:09
